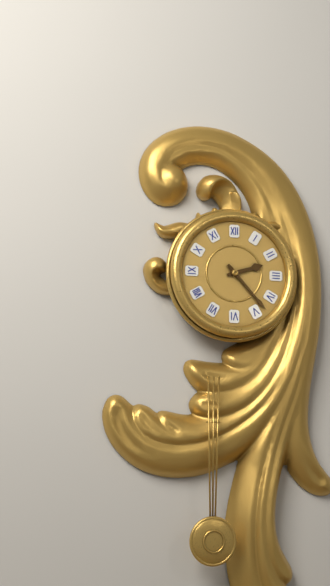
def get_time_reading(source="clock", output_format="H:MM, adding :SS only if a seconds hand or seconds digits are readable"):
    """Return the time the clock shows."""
2:23
